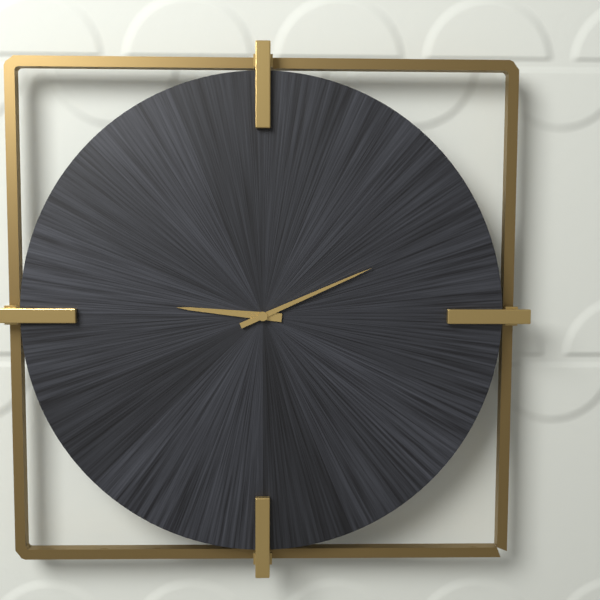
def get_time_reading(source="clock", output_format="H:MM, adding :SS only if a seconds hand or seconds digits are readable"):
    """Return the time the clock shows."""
9:11
